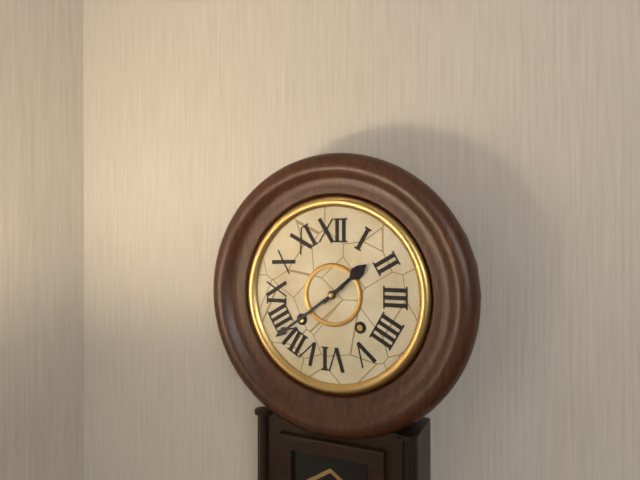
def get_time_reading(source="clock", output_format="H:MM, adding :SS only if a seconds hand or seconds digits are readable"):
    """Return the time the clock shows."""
1:39
